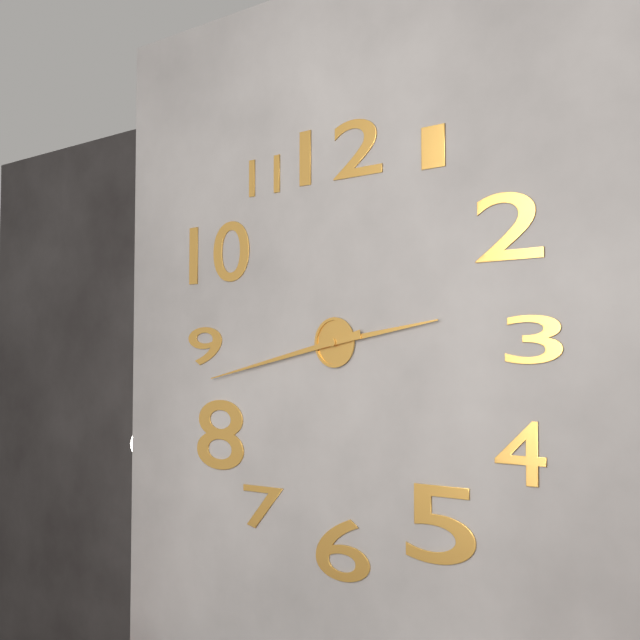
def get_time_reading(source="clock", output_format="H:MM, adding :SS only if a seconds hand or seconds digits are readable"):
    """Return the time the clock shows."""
2:43
